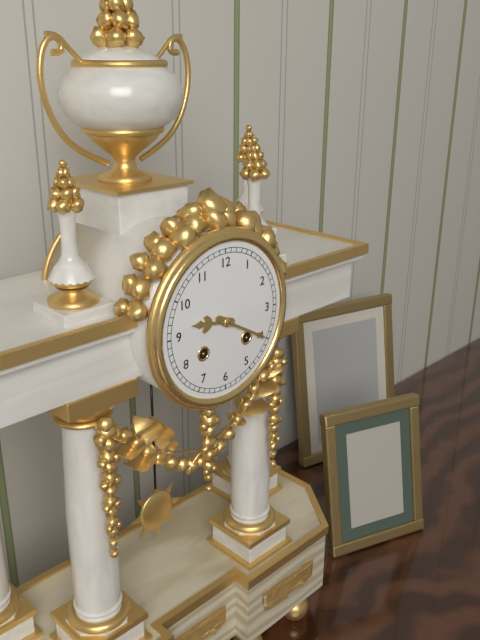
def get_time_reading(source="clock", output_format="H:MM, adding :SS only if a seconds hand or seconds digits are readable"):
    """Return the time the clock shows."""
9:20
